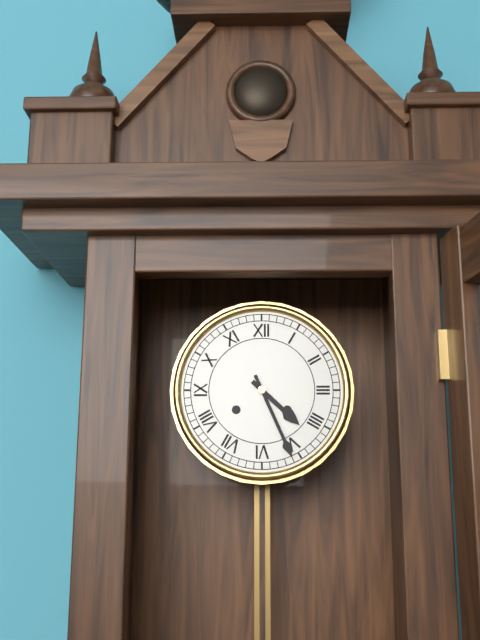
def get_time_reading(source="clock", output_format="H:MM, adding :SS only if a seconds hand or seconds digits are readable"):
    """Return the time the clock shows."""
4:26
